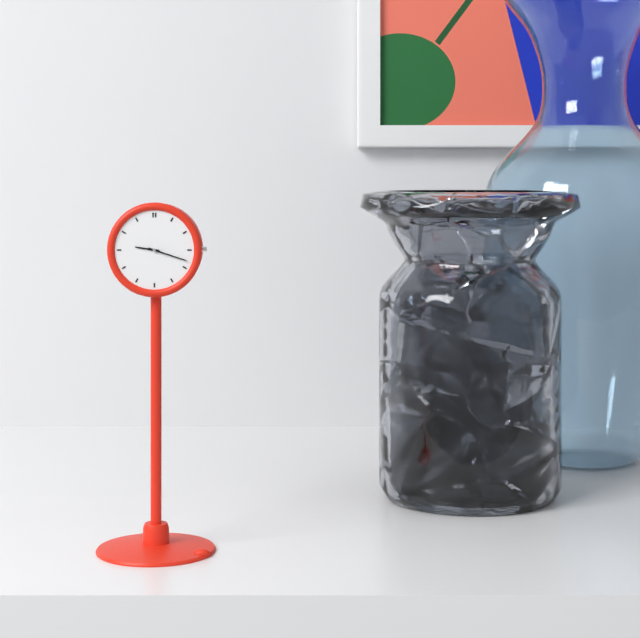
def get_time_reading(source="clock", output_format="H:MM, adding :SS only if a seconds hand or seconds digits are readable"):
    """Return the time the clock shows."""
9:18
